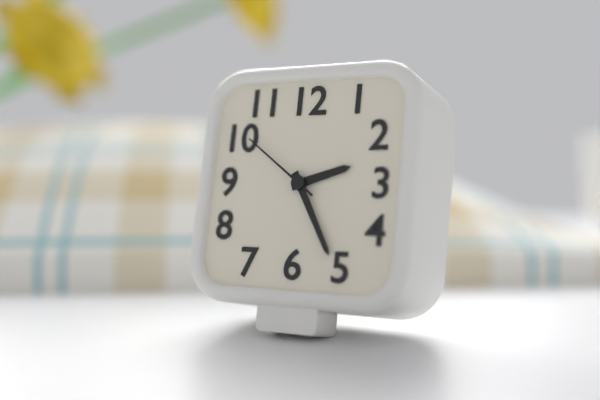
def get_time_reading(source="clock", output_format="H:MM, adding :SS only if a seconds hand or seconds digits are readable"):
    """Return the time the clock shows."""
2:25:51
